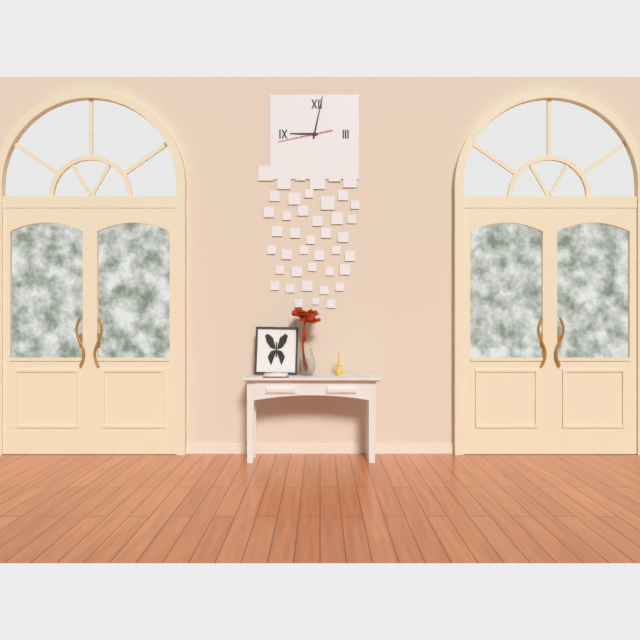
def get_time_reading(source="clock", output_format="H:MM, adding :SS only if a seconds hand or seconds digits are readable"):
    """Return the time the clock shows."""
9:02
